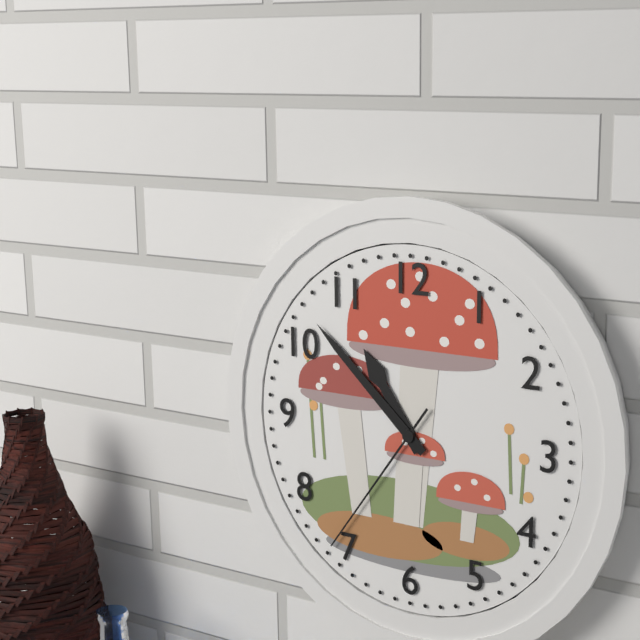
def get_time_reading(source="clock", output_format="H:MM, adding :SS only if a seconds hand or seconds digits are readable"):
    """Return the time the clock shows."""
10:52:36
